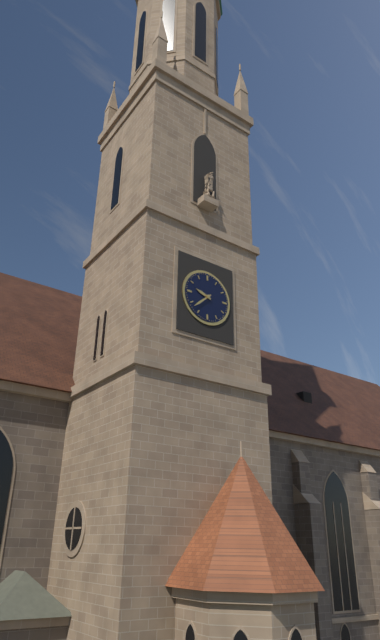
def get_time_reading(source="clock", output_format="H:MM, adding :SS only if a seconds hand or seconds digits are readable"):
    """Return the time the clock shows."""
9:38
